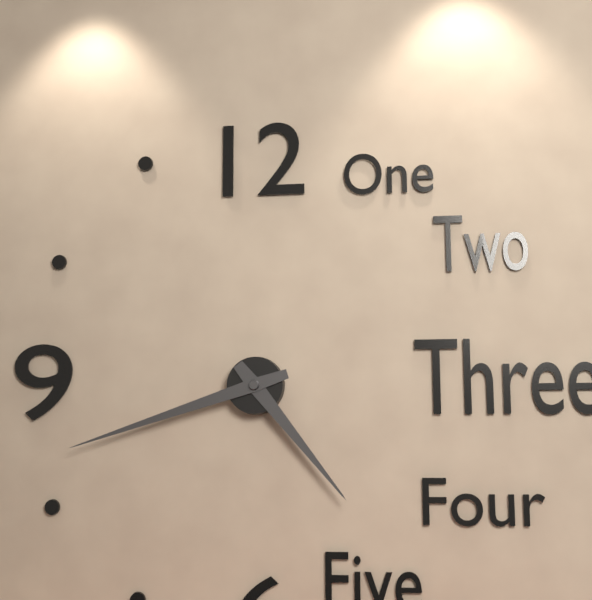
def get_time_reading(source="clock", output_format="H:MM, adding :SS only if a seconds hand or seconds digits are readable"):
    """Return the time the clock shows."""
4:42
